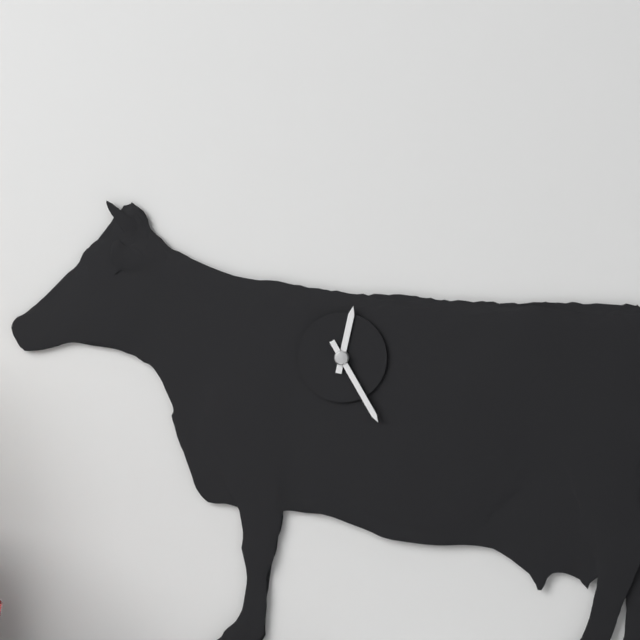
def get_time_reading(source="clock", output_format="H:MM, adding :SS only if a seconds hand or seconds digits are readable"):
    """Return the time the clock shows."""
12:25
